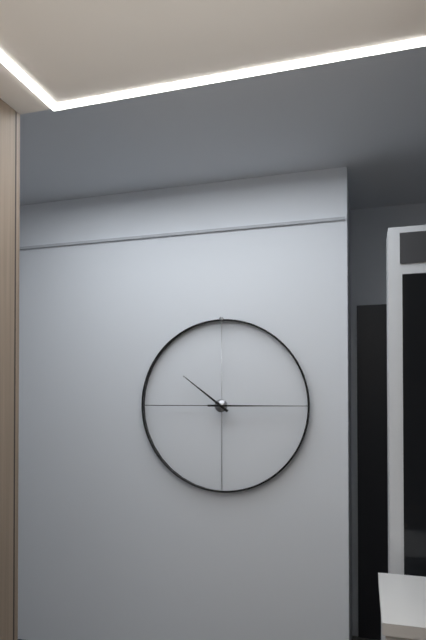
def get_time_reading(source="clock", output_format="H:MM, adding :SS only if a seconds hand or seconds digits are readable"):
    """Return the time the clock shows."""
10:15
